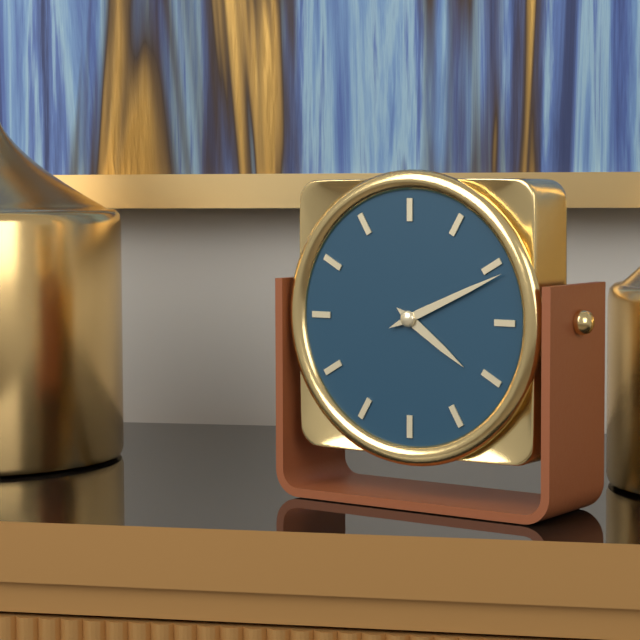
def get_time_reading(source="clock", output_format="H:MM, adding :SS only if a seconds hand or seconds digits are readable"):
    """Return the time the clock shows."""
4:11
